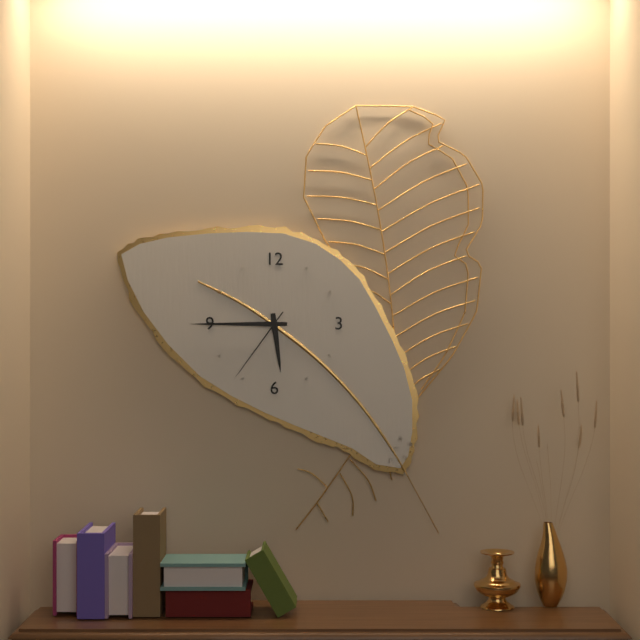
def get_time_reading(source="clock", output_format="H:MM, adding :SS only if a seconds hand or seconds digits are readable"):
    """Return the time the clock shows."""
5:45:36
